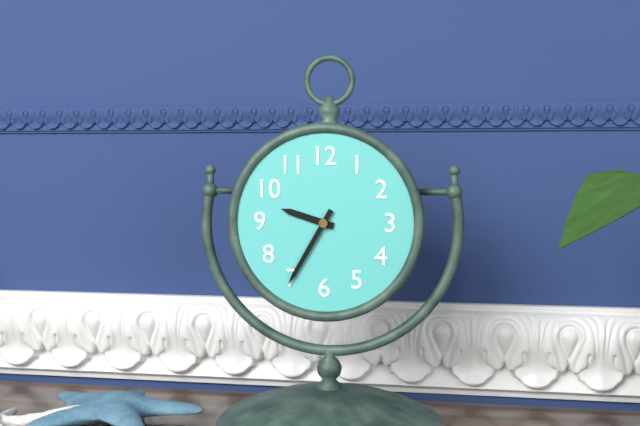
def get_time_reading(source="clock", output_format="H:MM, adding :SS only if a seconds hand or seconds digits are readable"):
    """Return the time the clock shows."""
9:35
